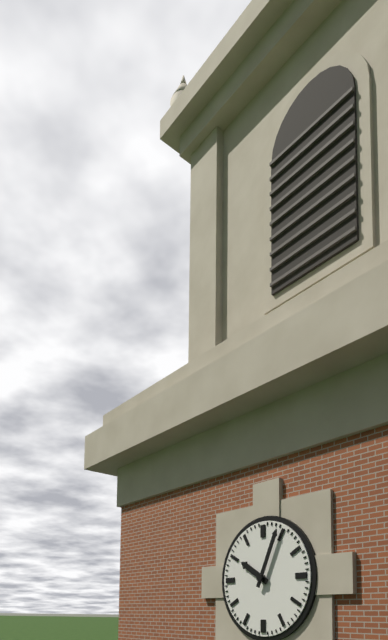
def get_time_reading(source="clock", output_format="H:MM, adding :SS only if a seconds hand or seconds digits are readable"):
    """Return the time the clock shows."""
10:04
